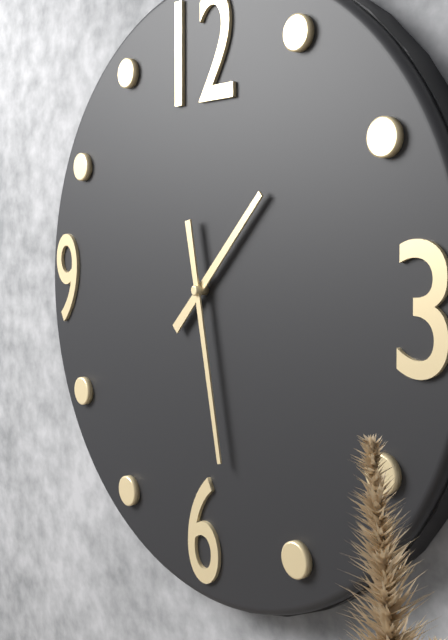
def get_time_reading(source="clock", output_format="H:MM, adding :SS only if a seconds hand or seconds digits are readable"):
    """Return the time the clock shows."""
1:28
